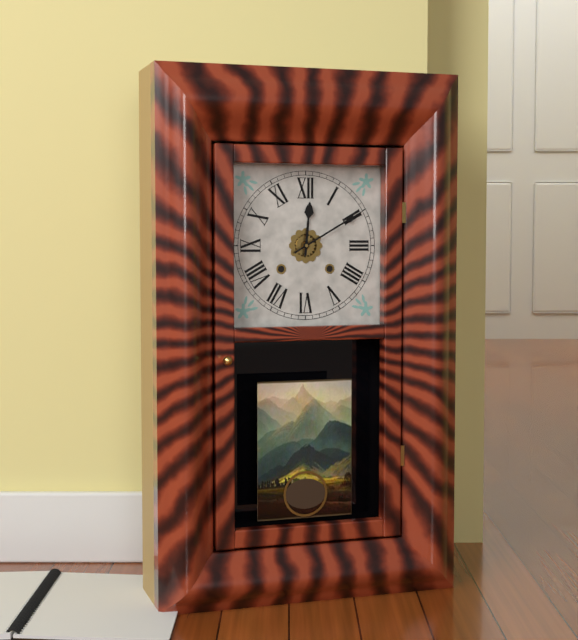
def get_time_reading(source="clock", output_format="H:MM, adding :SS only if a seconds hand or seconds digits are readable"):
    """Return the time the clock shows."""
12:10
